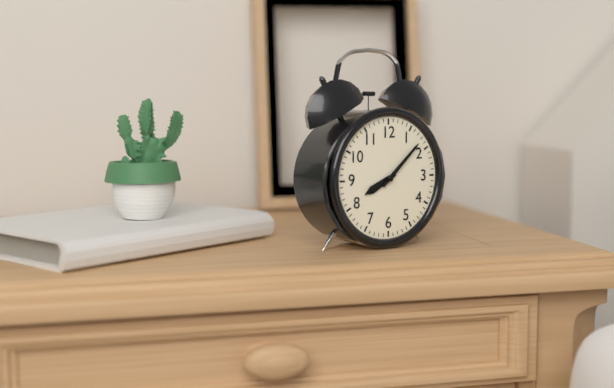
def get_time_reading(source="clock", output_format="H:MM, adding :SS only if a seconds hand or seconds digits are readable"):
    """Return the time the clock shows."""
8:08
